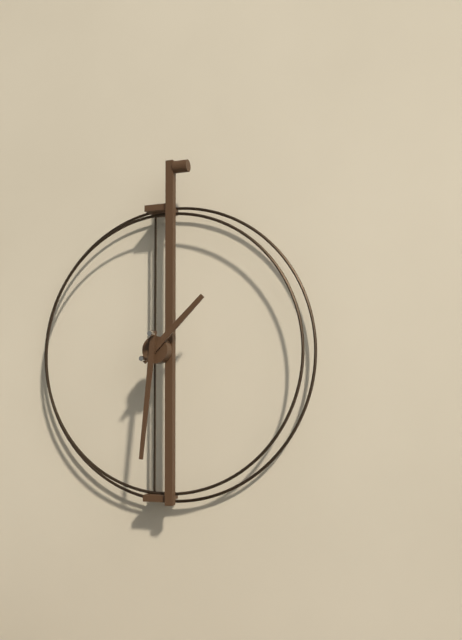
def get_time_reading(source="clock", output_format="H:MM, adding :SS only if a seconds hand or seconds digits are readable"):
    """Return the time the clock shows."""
1:31
